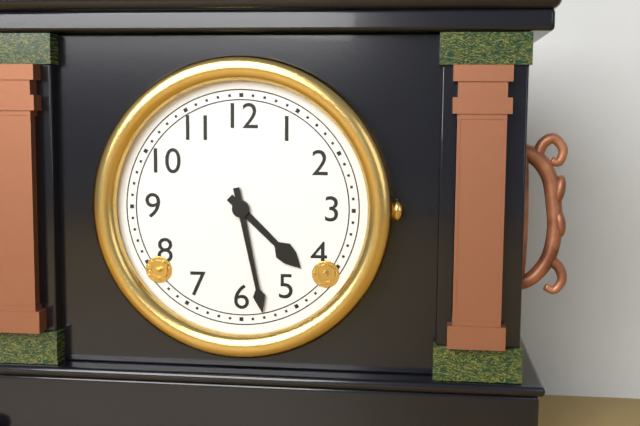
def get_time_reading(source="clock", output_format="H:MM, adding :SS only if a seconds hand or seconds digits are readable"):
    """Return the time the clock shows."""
4:28
